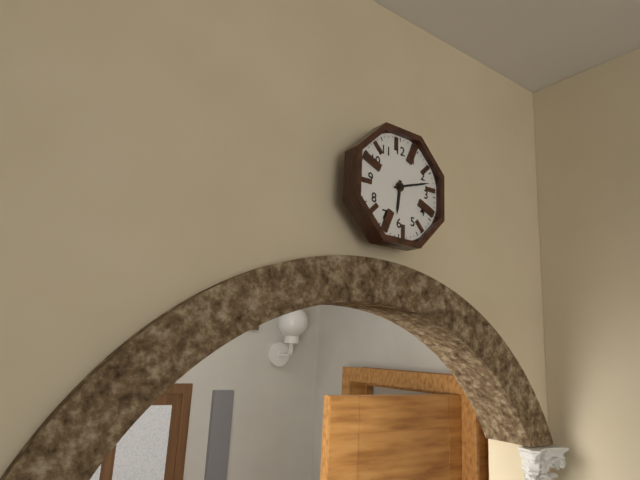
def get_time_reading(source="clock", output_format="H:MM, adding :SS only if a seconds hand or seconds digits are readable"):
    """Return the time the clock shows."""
6:12
